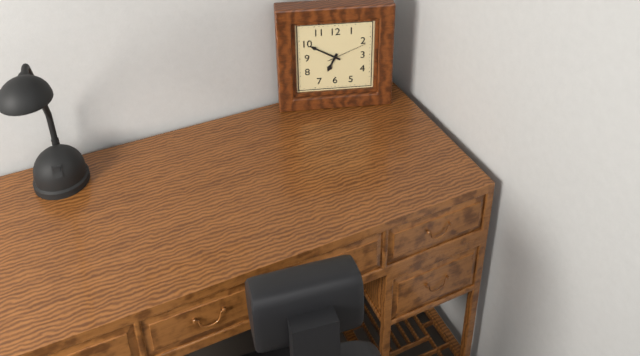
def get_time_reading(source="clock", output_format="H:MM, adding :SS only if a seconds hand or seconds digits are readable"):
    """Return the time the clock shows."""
6:50
